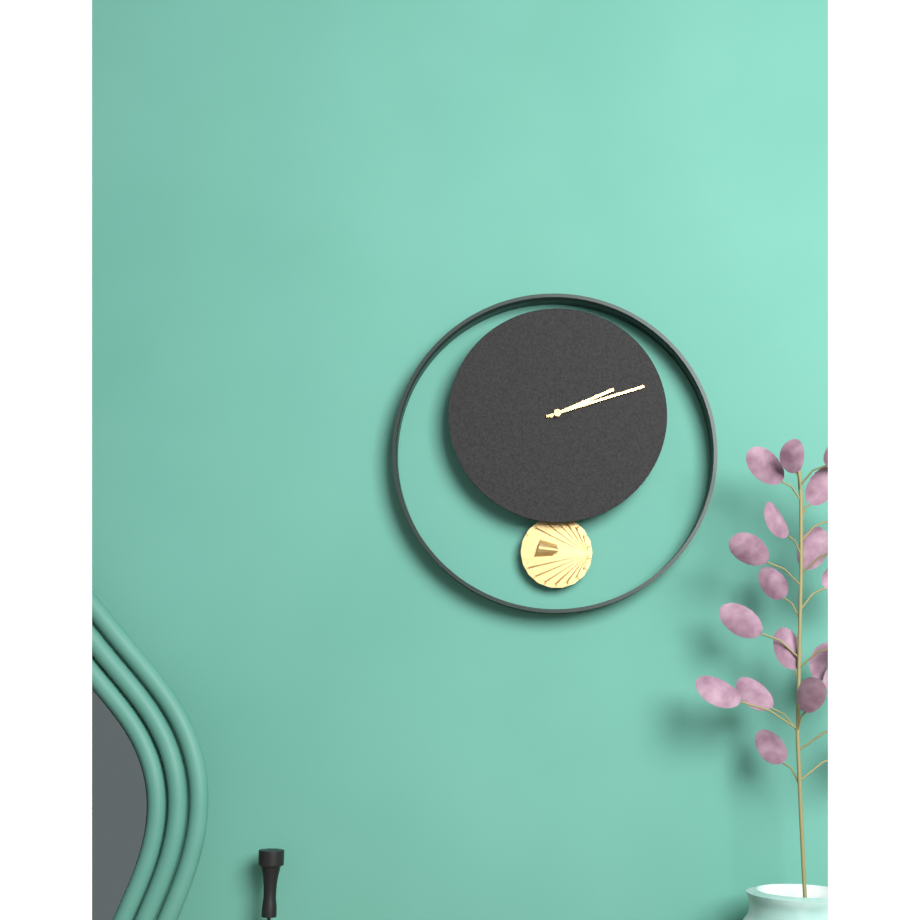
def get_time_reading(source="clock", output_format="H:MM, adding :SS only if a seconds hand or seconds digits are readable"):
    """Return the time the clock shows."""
2:12
